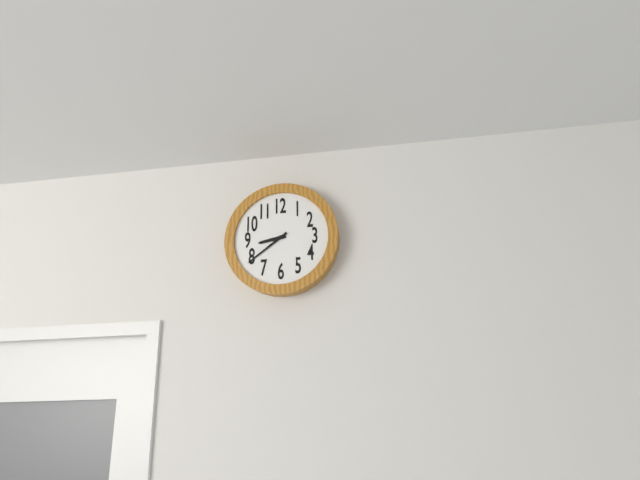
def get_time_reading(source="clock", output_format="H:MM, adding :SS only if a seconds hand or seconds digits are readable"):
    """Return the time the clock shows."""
8:39
